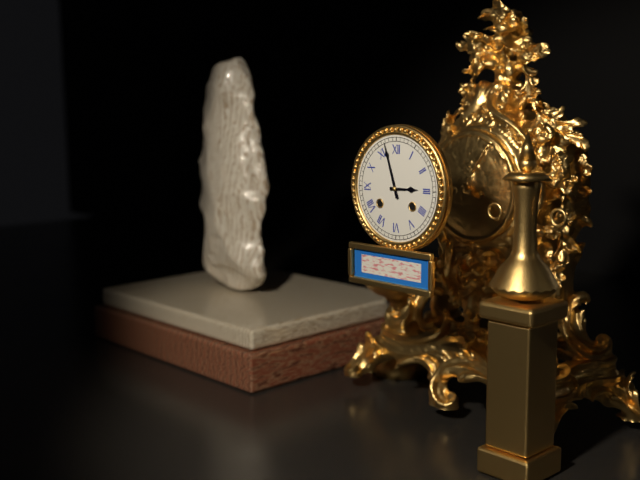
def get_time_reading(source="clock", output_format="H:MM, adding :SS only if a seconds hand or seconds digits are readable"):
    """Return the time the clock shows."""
2:57
